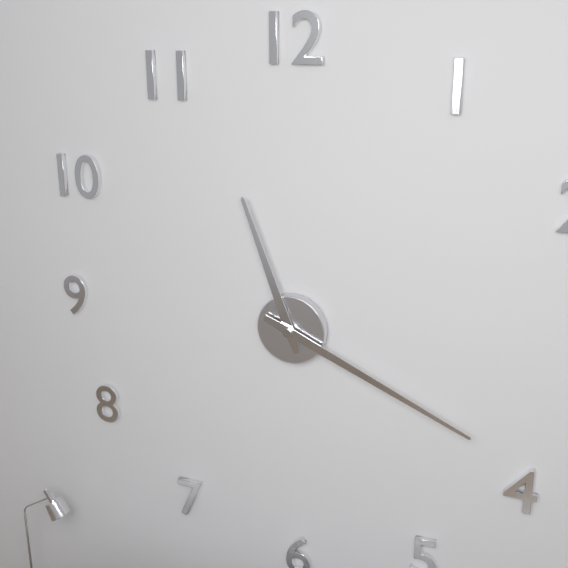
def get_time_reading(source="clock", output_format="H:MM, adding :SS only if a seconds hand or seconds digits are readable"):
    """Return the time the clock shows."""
11:19
